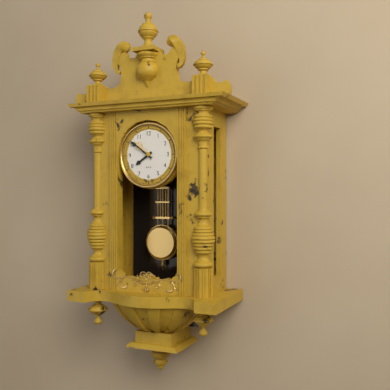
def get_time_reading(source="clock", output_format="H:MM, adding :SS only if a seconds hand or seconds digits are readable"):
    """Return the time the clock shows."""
7:51
